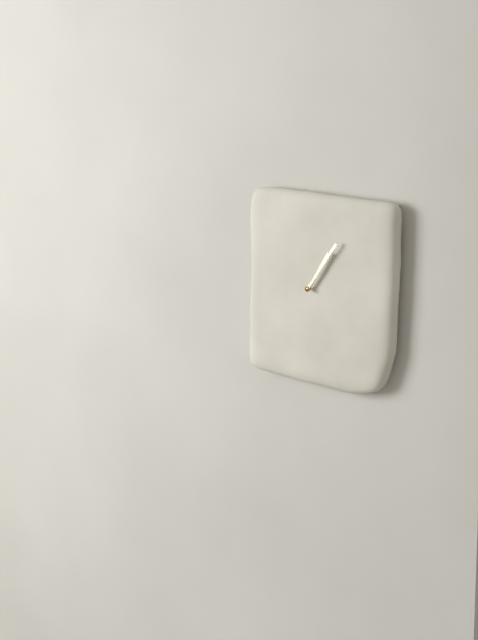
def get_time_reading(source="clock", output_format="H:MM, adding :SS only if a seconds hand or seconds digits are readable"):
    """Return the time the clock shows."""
1:06
